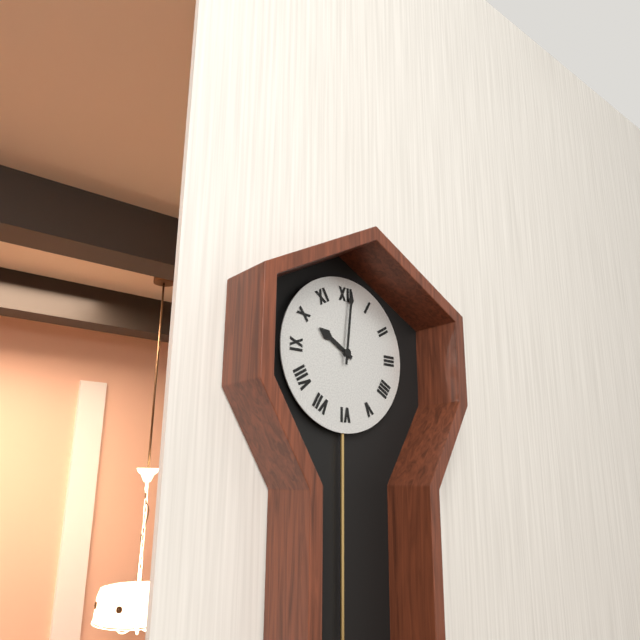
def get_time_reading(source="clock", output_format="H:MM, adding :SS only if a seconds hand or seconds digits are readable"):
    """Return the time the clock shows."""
10:01
